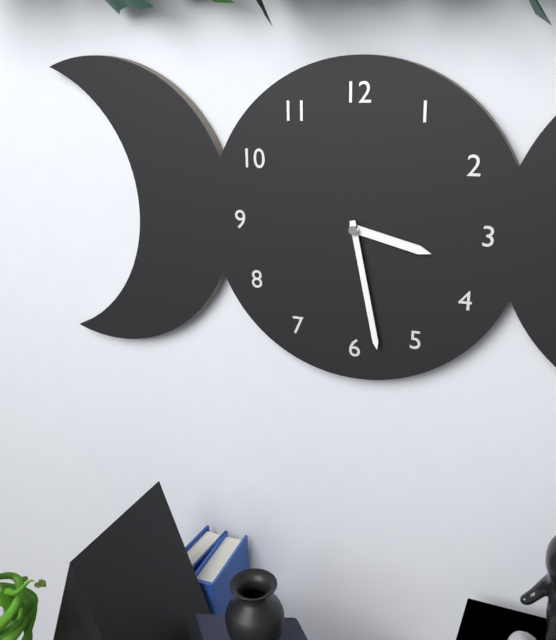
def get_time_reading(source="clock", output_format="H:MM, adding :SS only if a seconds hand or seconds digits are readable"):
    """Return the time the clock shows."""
3:28
